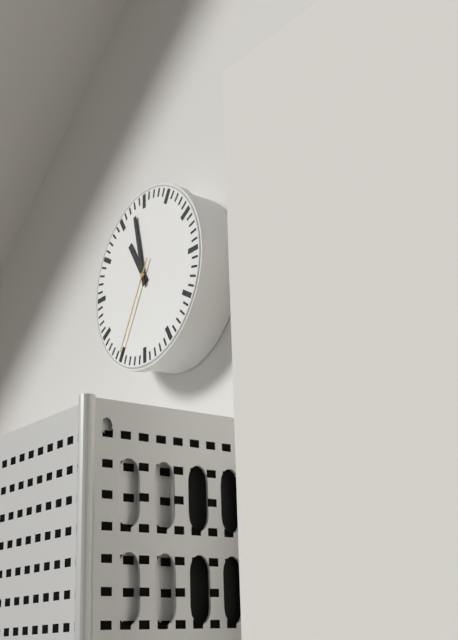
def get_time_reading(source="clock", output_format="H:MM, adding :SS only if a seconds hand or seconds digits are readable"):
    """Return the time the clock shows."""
10:58:35
